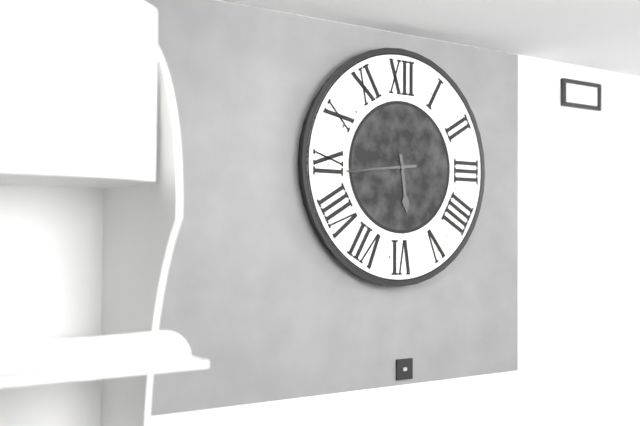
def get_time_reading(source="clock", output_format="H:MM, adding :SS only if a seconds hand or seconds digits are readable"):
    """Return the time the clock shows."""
5:44
